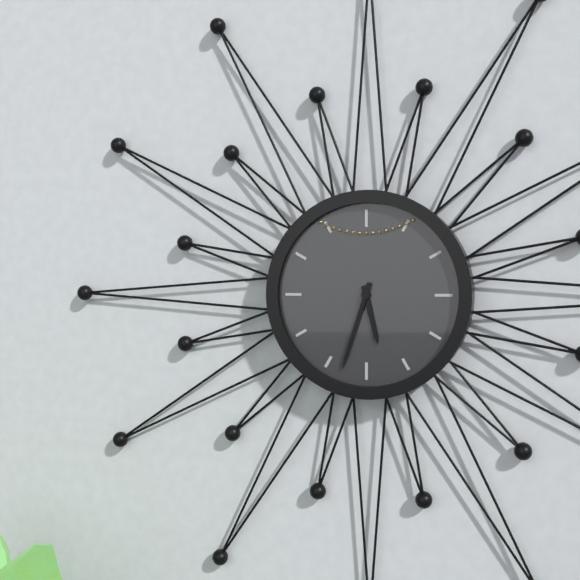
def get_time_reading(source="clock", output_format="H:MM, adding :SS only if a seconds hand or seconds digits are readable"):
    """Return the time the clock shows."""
5:33
